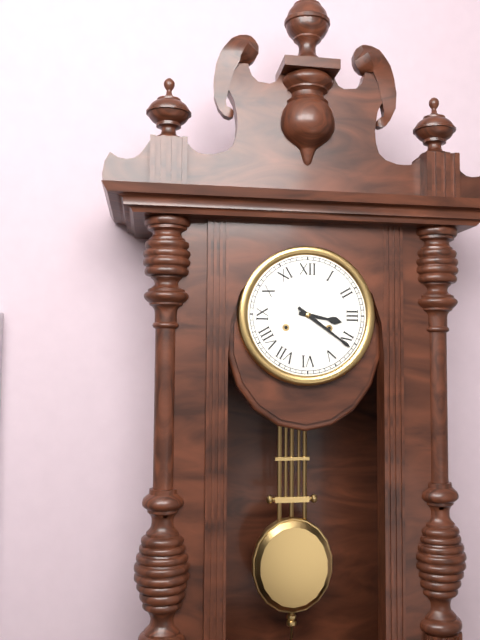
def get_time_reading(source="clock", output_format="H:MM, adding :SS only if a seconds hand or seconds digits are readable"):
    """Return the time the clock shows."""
3:21
